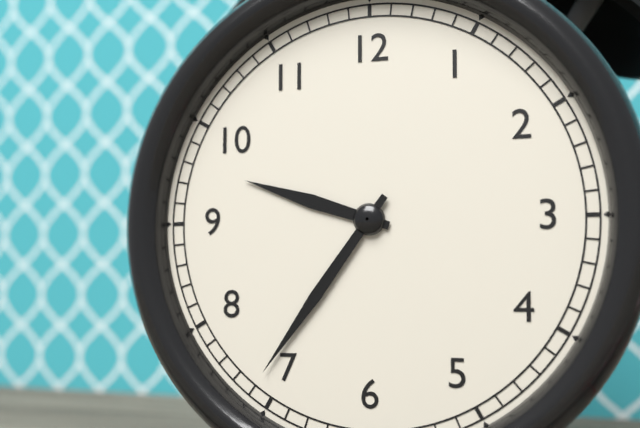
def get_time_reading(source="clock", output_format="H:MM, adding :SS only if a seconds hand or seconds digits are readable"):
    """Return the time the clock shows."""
9:36
